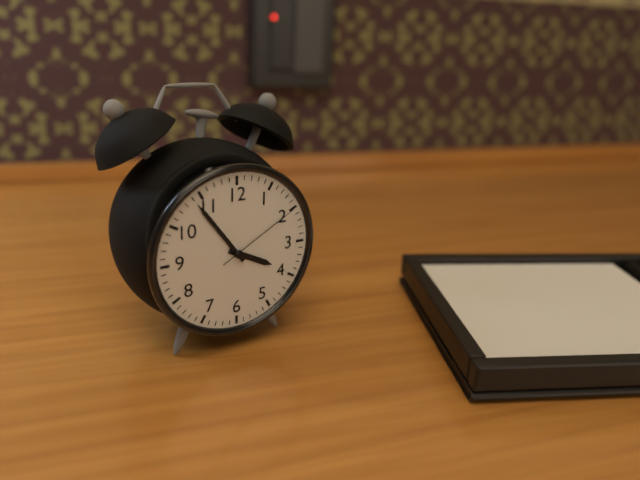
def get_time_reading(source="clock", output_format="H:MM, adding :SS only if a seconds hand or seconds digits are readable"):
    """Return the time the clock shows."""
3:54:10
